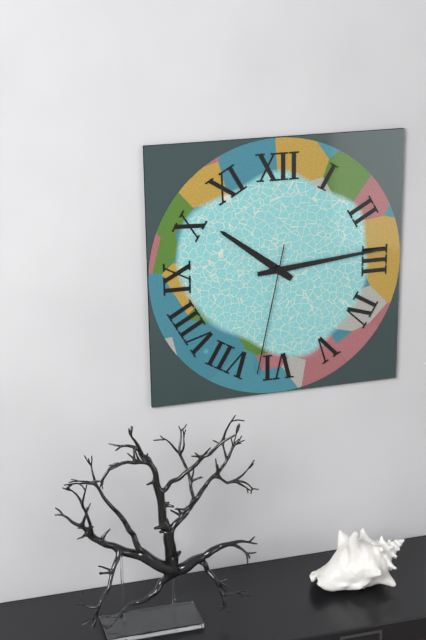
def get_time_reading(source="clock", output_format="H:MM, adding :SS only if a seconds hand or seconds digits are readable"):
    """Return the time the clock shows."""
10:14:32
